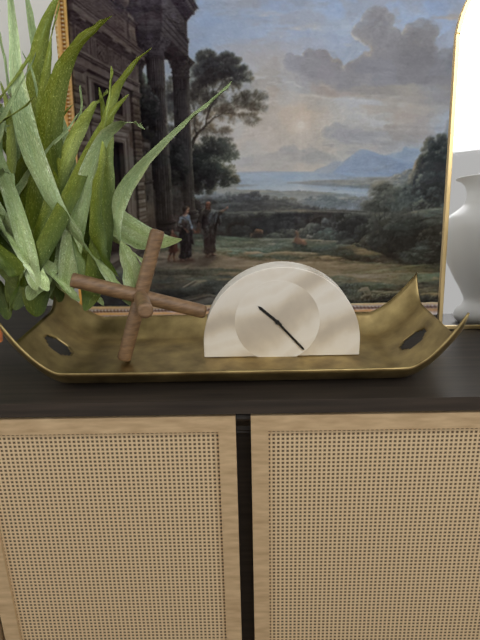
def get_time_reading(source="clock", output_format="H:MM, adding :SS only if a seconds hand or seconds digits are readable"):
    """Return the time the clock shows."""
10:23
